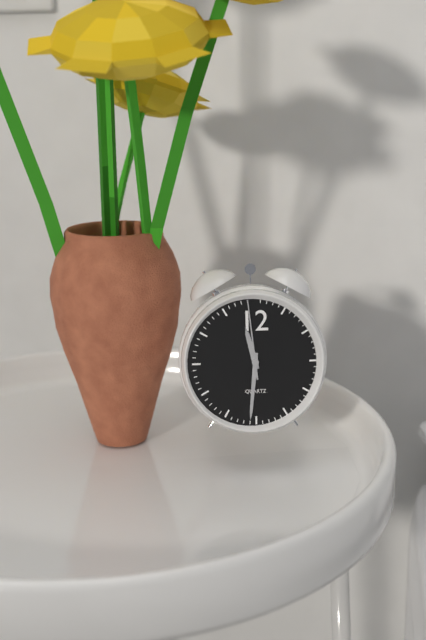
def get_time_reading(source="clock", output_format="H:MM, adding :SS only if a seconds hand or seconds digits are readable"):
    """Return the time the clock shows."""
11:31:59
